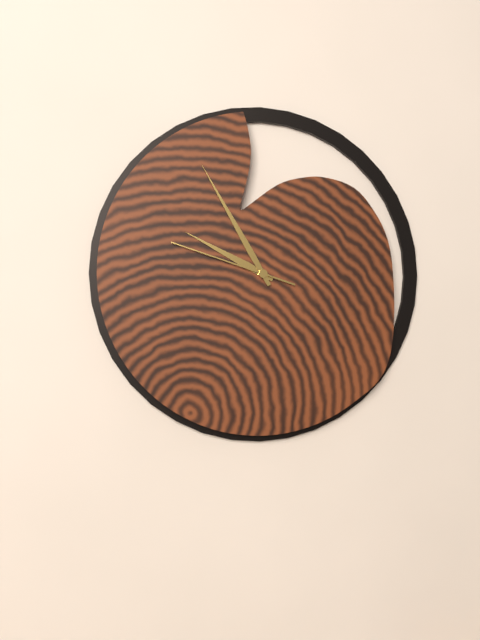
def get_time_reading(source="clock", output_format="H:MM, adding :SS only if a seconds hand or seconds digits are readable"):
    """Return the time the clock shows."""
9:55:48
